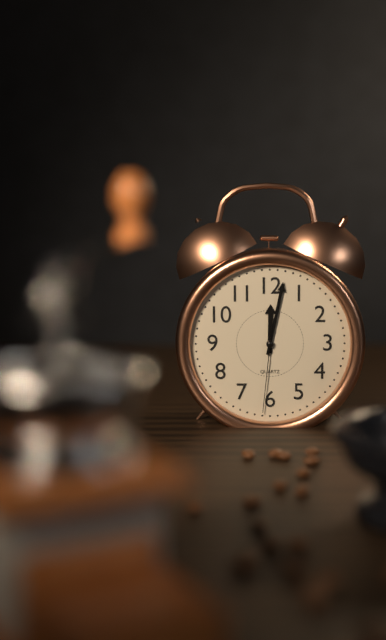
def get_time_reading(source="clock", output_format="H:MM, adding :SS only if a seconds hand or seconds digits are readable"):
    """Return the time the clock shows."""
12:02:31
